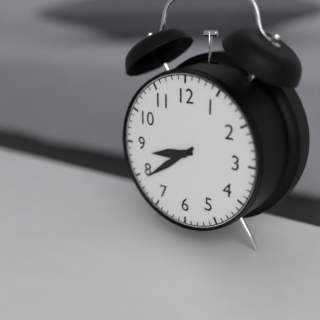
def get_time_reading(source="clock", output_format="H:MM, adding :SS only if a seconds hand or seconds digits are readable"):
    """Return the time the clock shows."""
8:39
